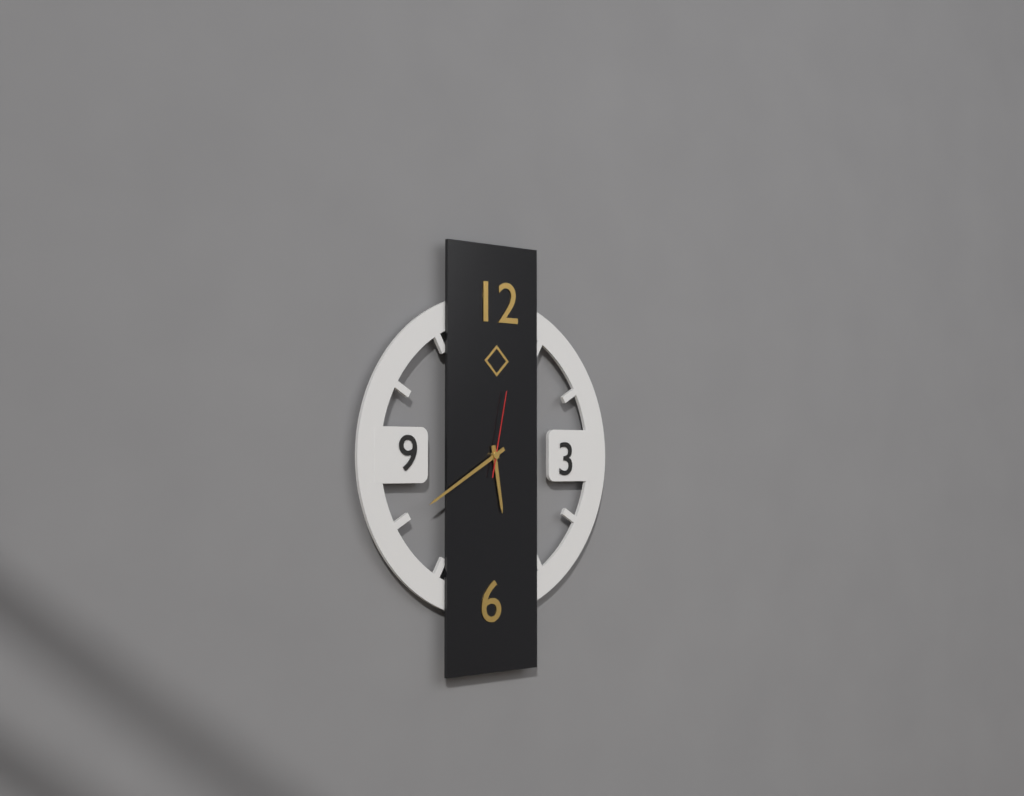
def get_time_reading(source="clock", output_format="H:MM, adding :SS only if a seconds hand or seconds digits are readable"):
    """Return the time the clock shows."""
5:40:02
